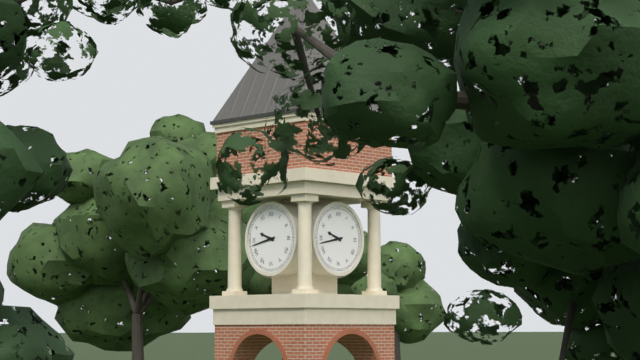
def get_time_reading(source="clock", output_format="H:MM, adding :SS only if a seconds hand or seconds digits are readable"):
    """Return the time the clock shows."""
9:43
